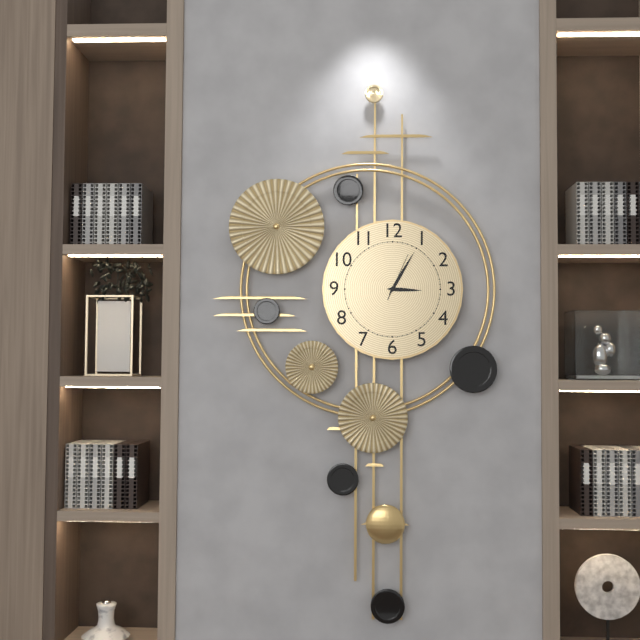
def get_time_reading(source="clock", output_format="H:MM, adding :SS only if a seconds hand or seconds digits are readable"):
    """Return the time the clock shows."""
3:05
